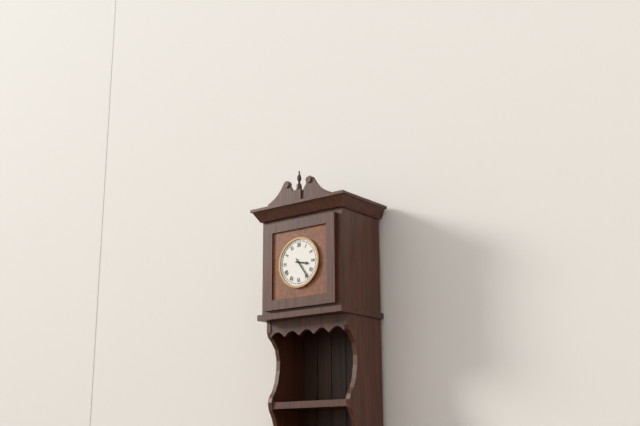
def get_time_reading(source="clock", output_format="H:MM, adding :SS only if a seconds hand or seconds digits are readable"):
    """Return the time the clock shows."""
3:24
